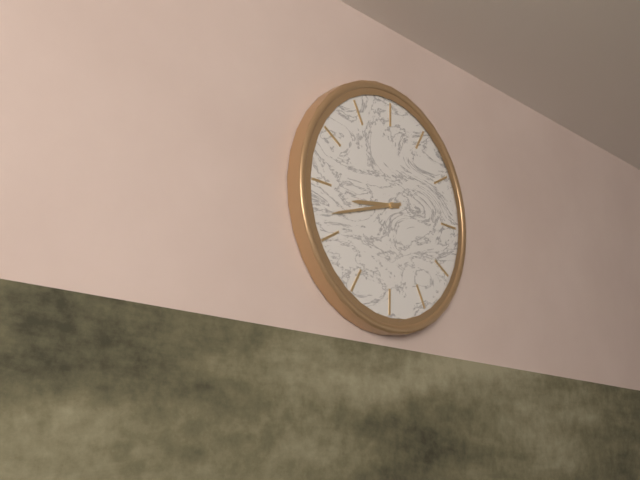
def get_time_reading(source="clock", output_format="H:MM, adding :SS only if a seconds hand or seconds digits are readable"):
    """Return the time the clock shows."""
8:42
